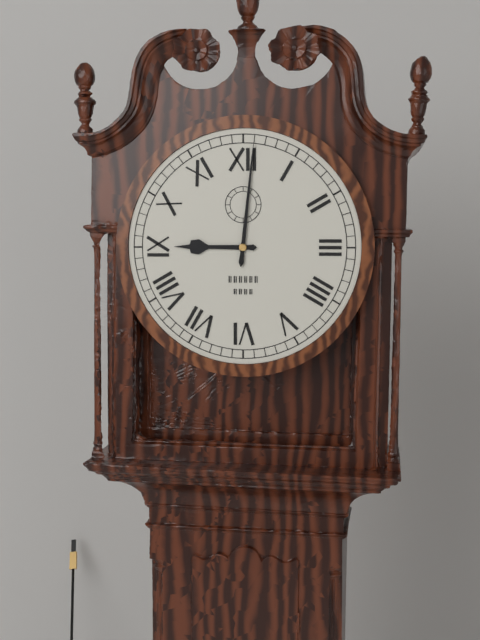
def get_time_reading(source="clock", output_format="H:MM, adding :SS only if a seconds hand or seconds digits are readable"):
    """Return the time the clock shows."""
9:01
